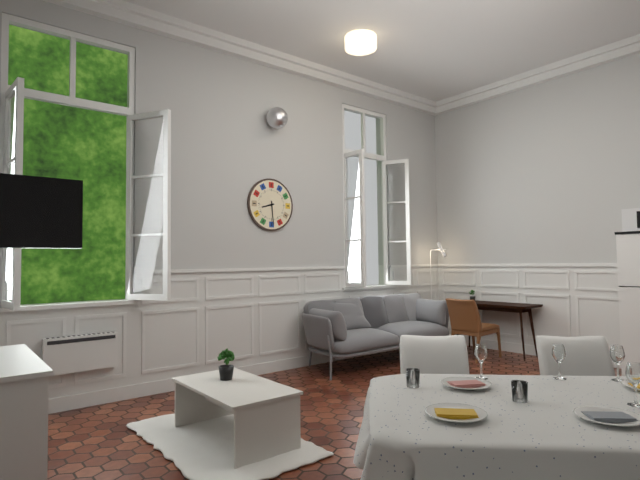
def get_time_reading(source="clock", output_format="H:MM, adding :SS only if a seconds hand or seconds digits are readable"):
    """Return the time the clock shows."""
8:29
